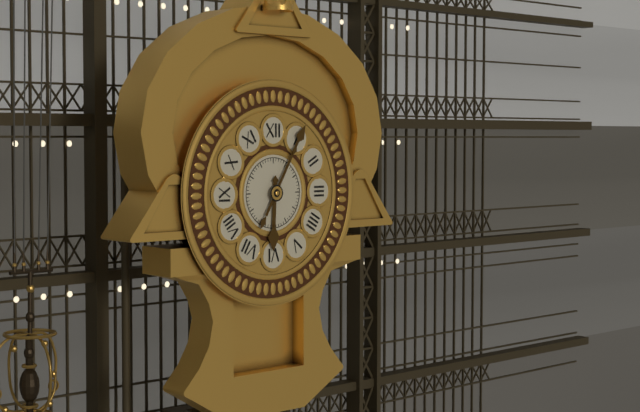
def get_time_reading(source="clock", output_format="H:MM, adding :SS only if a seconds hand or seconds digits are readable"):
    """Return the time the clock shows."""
6:05
